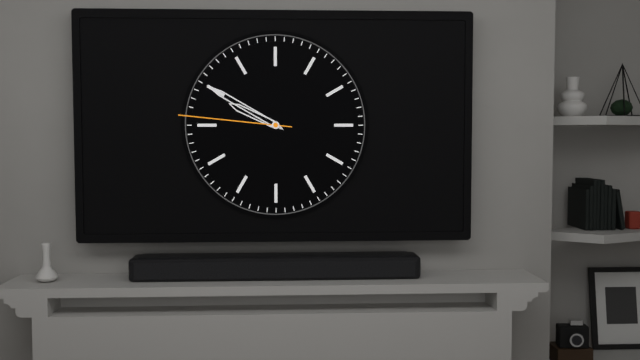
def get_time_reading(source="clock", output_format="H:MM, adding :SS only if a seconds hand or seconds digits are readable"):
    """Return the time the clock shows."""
9:50:46
